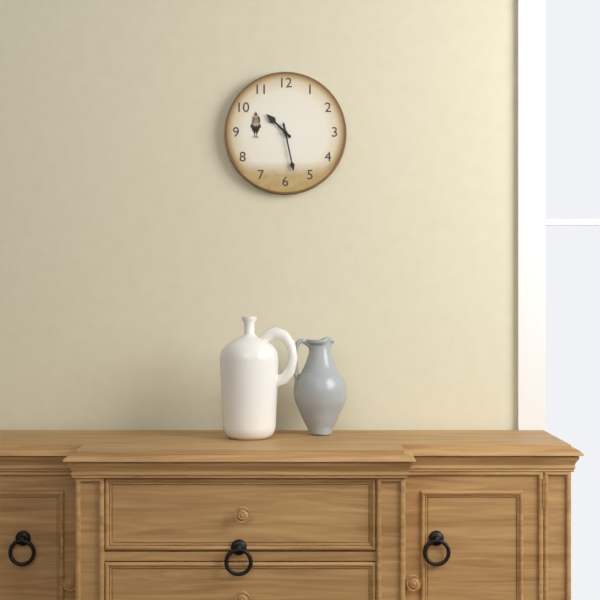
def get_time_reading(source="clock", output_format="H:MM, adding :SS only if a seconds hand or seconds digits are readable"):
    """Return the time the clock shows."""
10:28
